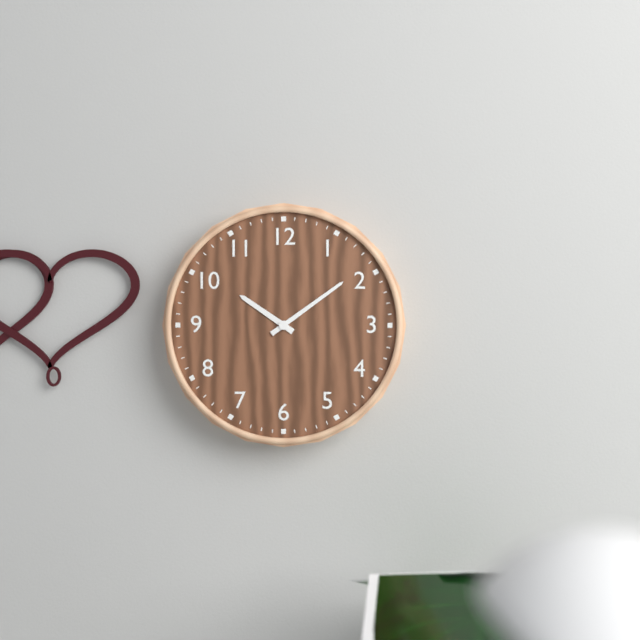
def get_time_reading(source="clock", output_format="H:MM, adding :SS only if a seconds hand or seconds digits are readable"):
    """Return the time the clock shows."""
10:09
